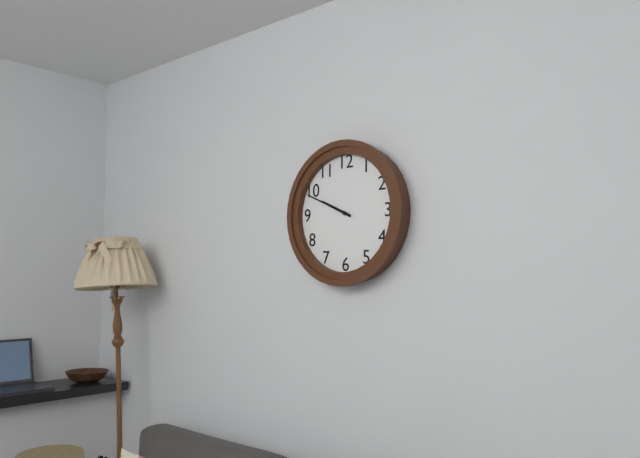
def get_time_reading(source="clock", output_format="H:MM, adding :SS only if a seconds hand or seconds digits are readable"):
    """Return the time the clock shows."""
9:49
